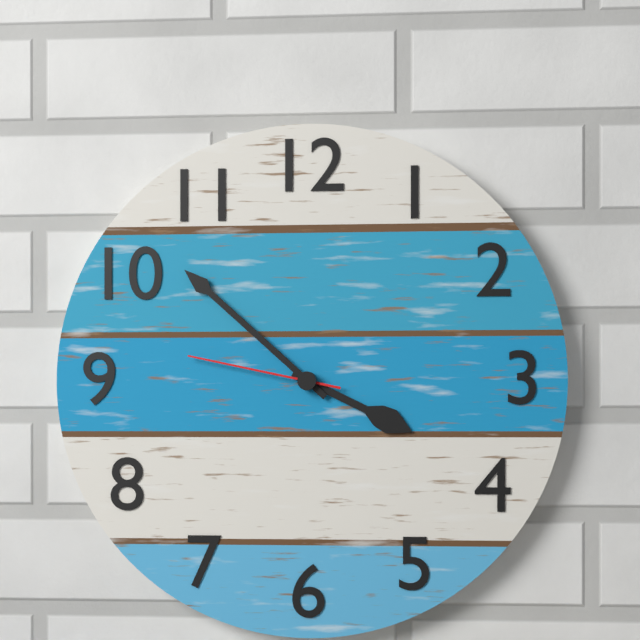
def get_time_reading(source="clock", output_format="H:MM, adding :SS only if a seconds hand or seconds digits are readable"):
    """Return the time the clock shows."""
3:52:47
